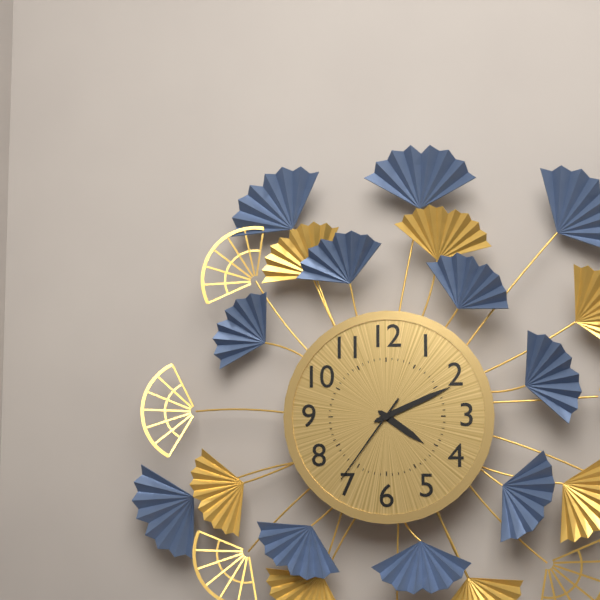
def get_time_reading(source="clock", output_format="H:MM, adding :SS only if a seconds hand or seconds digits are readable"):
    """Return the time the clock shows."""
4:11:36
